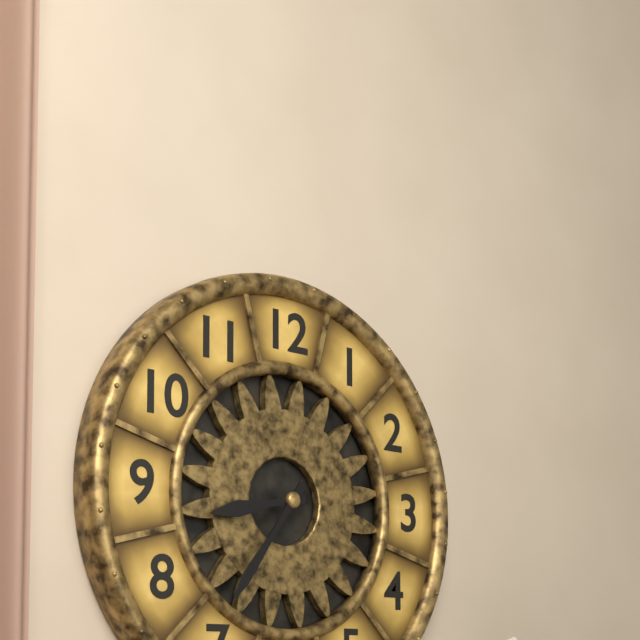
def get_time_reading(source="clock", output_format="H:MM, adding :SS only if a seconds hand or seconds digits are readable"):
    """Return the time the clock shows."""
8:36
